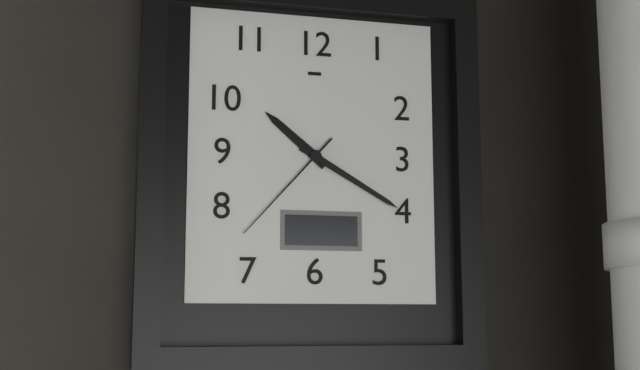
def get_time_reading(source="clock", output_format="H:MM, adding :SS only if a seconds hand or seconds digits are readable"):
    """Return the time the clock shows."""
10:20:37
